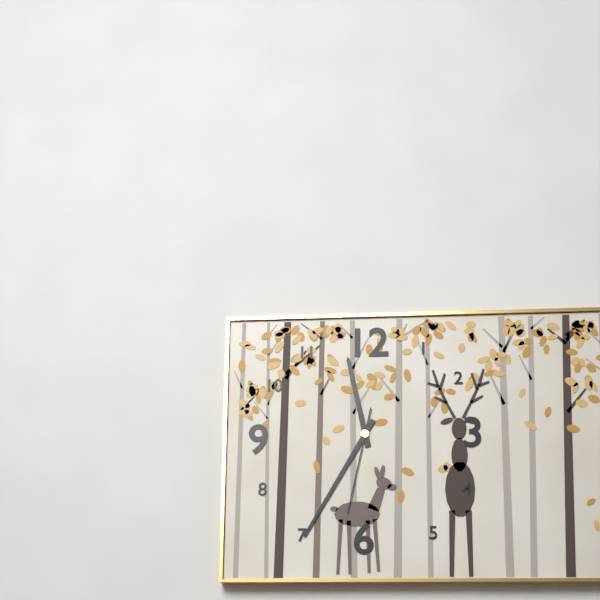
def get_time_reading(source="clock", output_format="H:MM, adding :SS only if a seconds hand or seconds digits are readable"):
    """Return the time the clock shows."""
11:35:32
